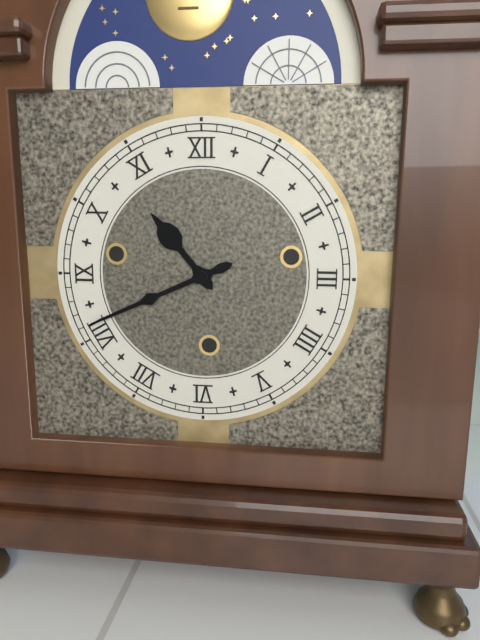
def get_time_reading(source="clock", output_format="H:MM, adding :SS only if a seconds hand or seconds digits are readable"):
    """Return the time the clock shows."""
10:41
